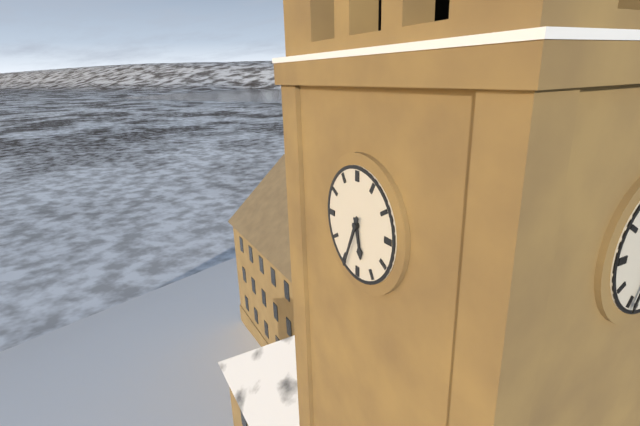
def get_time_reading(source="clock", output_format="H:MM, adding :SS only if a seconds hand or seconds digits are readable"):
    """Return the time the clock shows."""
5:34
